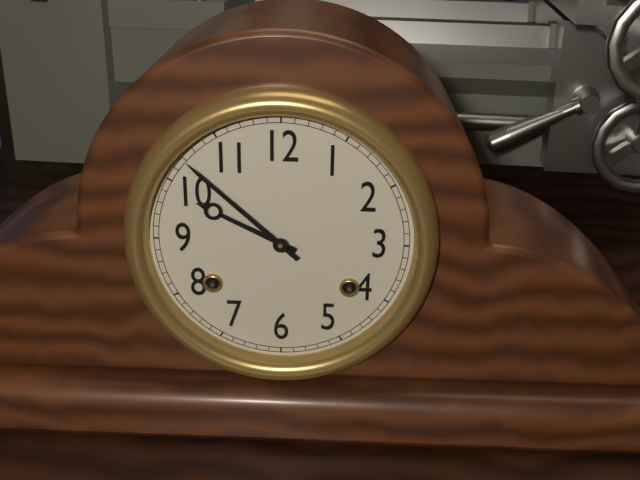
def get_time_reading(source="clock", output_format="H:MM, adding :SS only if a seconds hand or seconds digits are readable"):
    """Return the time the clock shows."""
9:52
